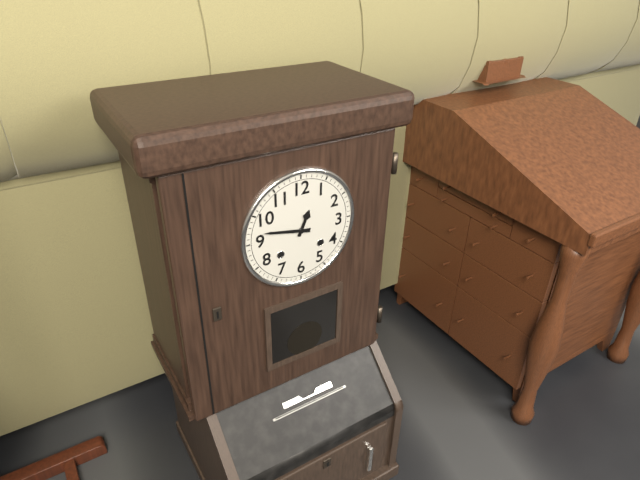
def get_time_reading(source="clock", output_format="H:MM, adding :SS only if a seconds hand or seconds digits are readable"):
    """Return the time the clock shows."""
12:47
